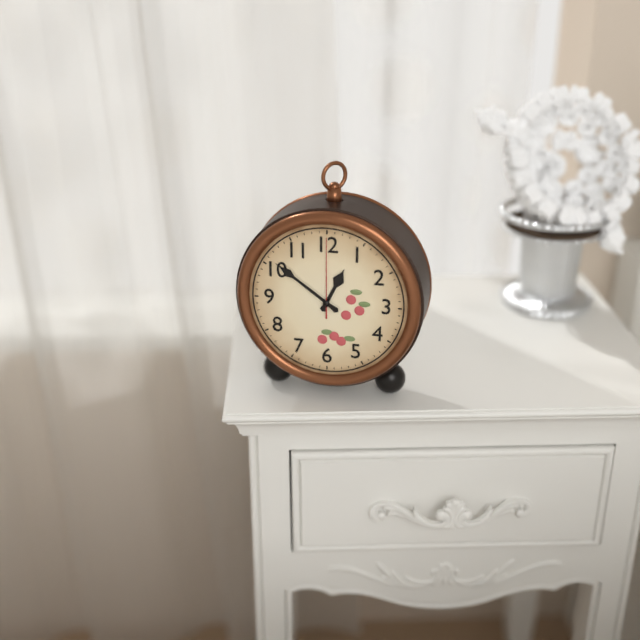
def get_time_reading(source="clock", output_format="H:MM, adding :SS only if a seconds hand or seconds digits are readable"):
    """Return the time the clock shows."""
12:51:00
